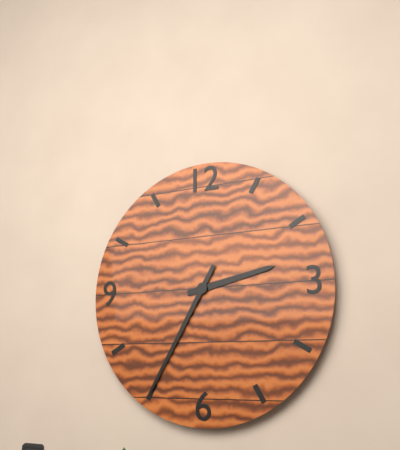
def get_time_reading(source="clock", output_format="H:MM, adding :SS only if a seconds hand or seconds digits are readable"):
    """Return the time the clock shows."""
2:35
